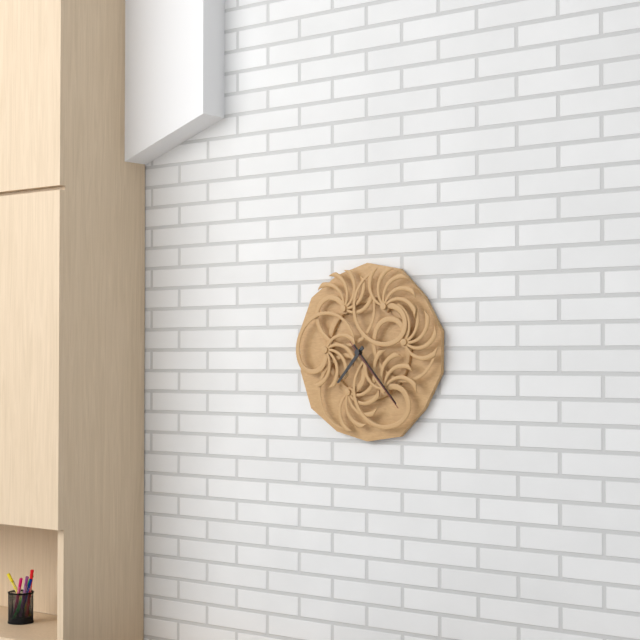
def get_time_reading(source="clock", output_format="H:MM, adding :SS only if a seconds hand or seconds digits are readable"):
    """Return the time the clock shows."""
7:23:23
